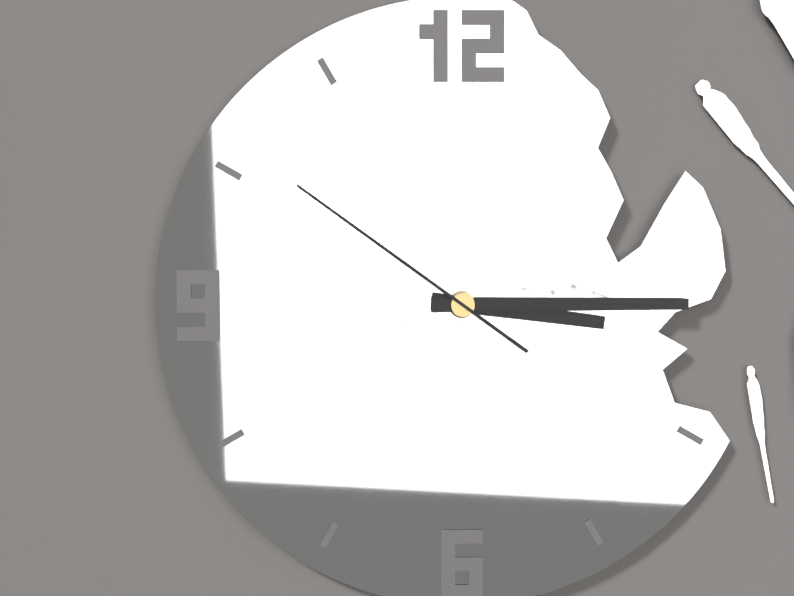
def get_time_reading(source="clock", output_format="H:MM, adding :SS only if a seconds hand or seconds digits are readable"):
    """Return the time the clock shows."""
3:15:51
